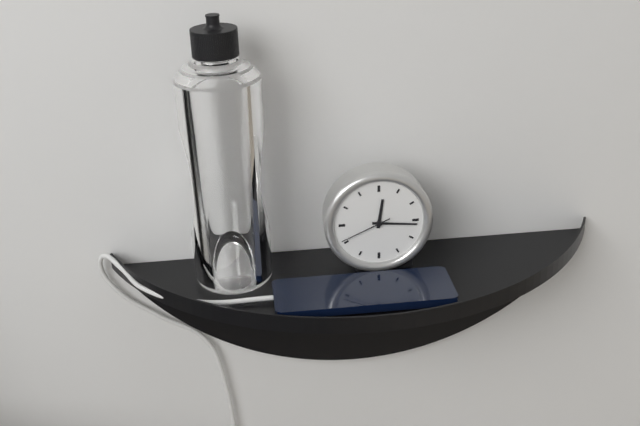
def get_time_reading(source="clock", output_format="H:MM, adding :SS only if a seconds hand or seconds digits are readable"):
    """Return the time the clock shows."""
12:16:41
